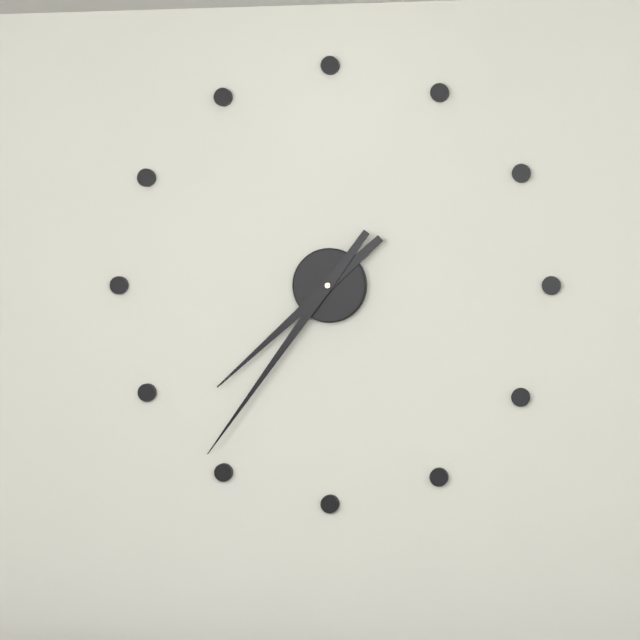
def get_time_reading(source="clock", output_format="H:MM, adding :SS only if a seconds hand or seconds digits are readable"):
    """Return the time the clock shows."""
7:36
